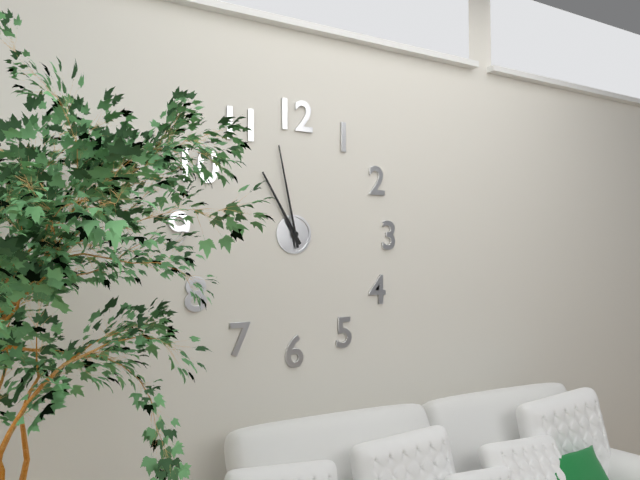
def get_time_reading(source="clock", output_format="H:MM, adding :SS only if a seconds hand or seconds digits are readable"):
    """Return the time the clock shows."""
10:58
